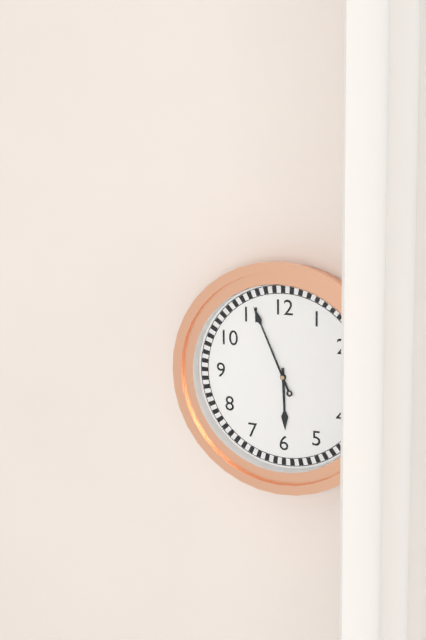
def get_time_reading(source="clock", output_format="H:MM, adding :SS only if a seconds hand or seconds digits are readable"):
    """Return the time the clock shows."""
5:56
